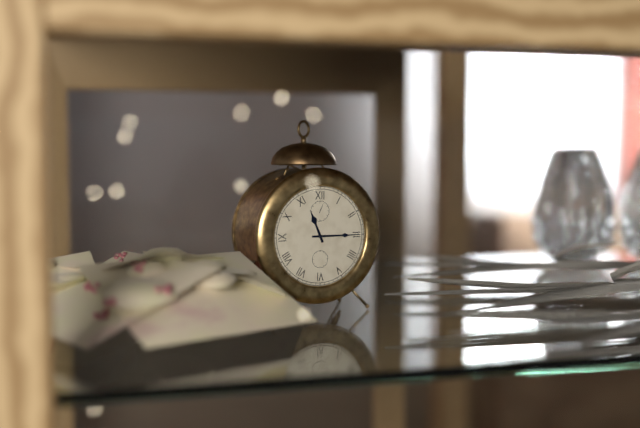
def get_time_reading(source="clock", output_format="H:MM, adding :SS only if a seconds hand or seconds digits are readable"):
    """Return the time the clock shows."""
11:15
